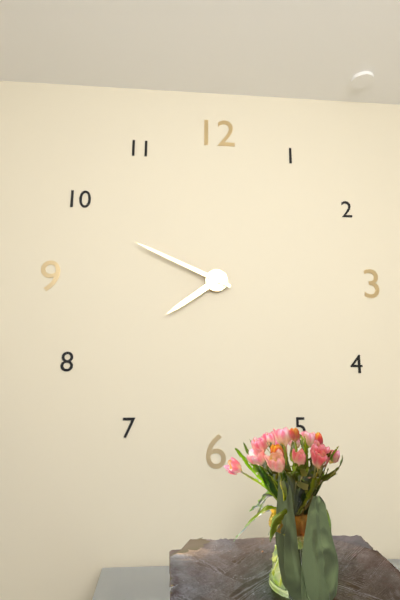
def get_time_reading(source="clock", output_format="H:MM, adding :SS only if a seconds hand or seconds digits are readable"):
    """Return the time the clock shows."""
7:49
